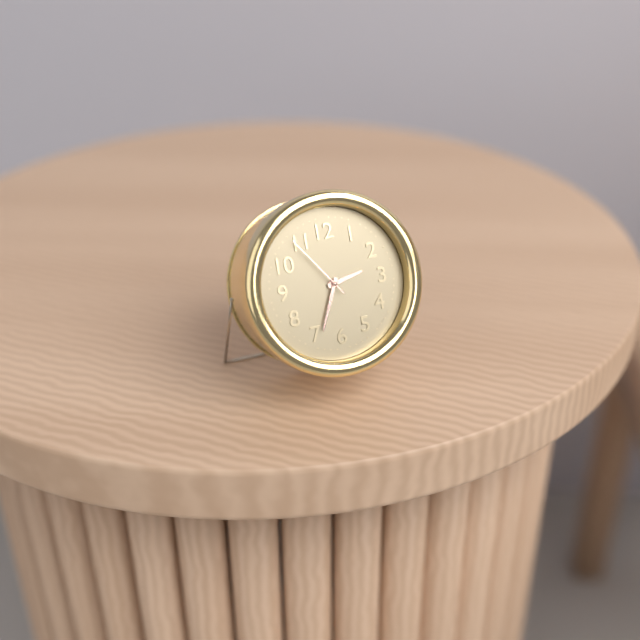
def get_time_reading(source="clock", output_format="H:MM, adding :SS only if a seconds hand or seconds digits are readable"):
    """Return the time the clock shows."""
2:34:54
